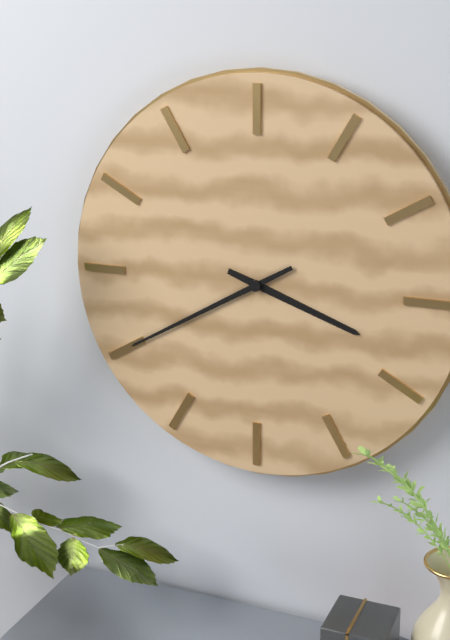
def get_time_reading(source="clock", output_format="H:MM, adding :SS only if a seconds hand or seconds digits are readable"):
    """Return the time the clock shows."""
3:40
